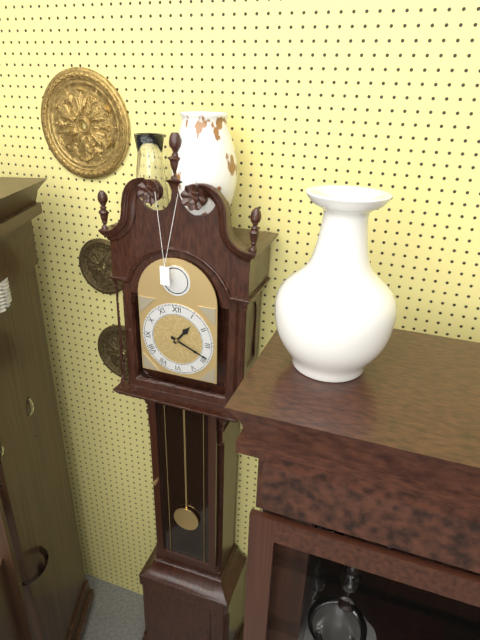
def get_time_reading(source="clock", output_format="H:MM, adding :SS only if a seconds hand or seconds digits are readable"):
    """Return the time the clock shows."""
1:19
